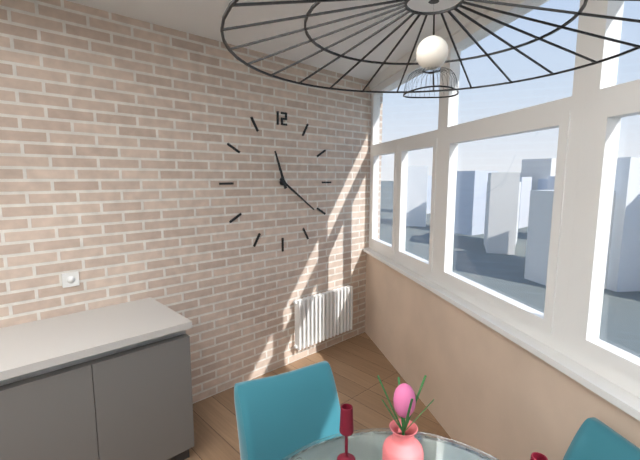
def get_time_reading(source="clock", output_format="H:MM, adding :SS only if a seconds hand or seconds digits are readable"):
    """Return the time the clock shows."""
11:21
